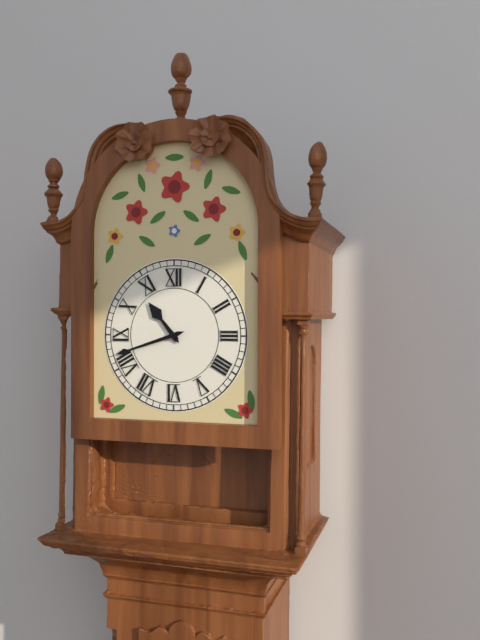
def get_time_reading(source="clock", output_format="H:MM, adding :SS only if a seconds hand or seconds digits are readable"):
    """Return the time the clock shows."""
10:42
